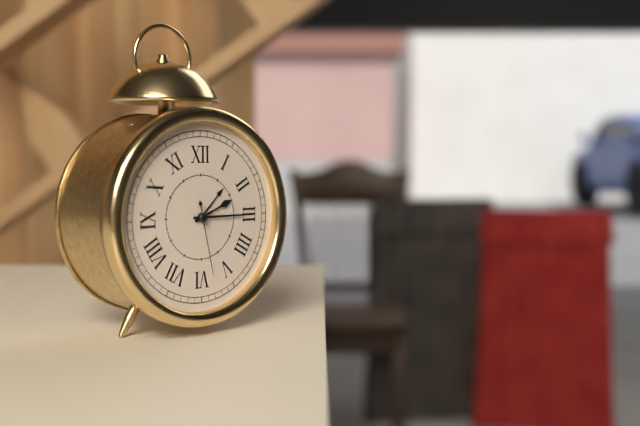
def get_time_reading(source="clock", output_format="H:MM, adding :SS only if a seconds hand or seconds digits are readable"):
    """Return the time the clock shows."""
2:15:28
